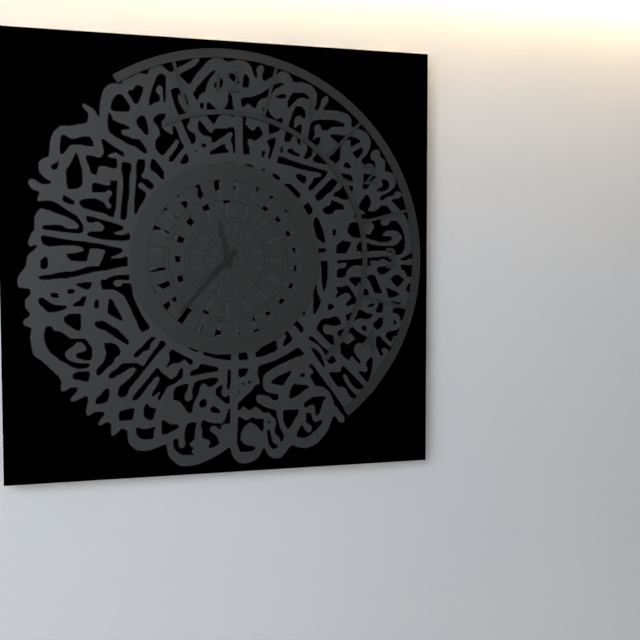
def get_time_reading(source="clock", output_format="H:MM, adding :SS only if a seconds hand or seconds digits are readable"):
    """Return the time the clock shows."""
11:37
